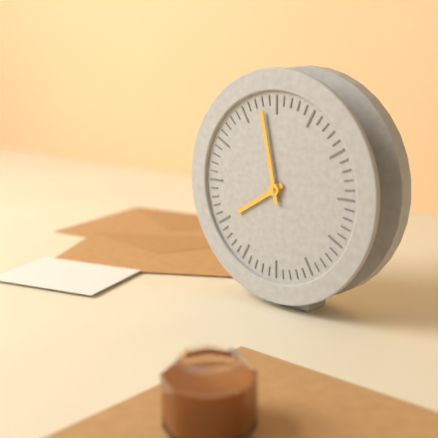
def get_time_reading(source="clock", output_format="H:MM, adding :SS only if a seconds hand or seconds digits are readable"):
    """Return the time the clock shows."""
7:58
